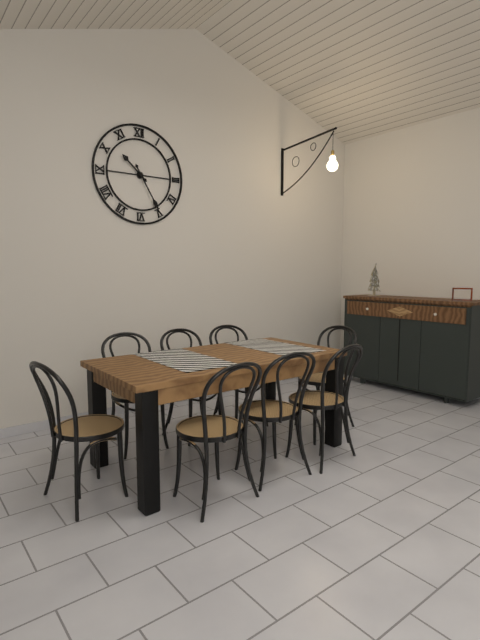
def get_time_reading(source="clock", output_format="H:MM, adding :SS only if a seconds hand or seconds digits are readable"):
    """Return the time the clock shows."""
10:25
